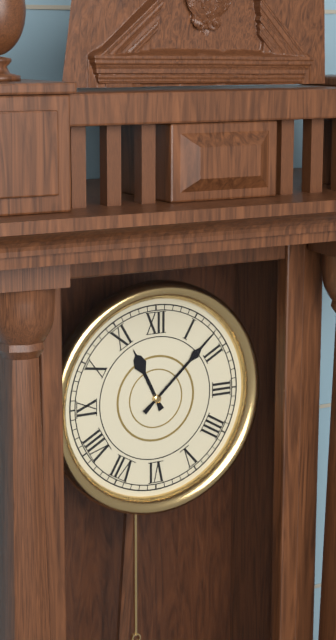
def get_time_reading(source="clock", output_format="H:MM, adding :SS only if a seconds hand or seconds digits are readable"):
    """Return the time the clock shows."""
11:08
